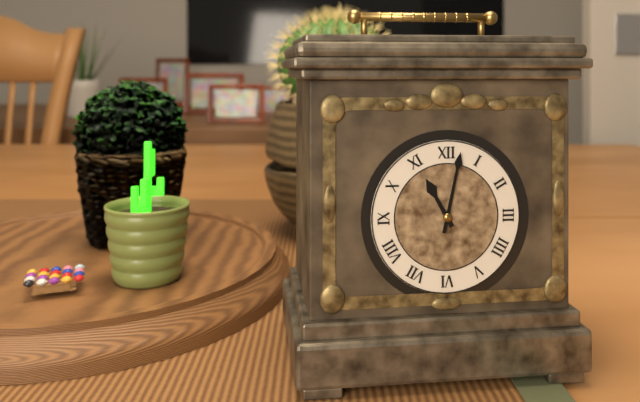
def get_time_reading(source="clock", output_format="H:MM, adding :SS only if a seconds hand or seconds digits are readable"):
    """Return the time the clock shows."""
11:02
